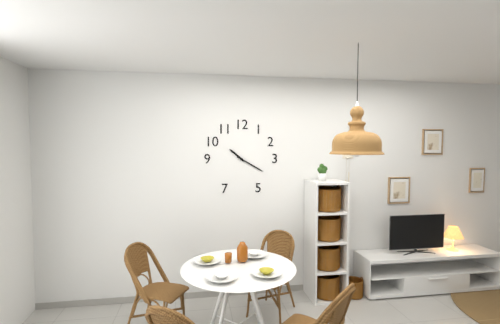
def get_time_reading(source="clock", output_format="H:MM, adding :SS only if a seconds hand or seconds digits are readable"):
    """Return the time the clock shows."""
10:20
